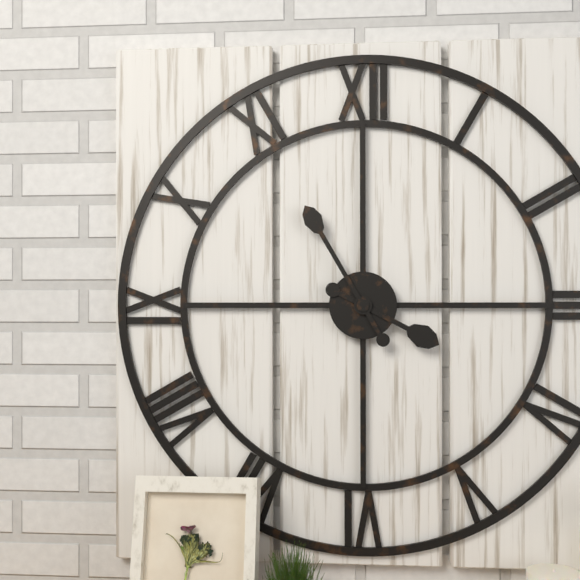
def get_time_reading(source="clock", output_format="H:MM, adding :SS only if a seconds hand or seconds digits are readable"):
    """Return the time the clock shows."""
3:55
